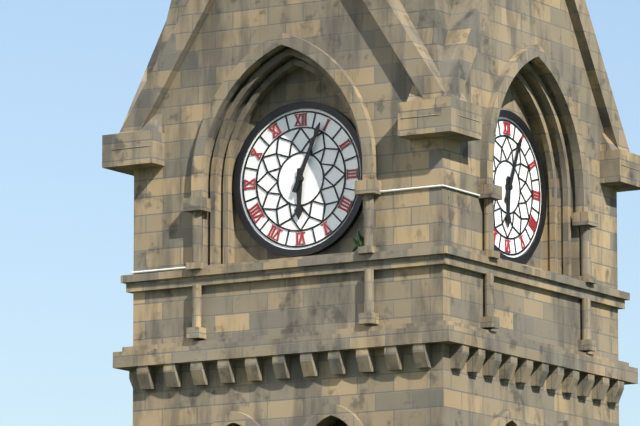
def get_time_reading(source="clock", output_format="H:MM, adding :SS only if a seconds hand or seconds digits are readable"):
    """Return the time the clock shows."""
6:04
